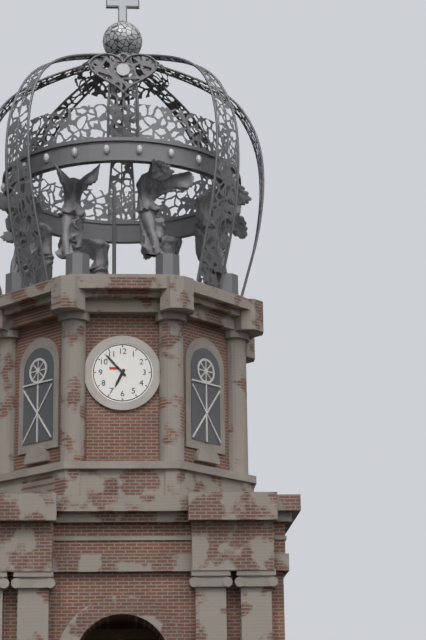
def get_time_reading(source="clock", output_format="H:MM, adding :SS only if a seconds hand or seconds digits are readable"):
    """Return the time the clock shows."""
6:53
